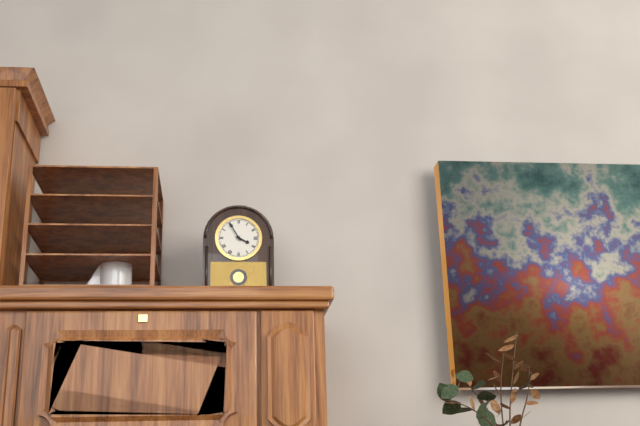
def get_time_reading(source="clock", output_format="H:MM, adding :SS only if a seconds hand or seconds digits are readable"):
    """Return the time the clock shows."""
3:55
